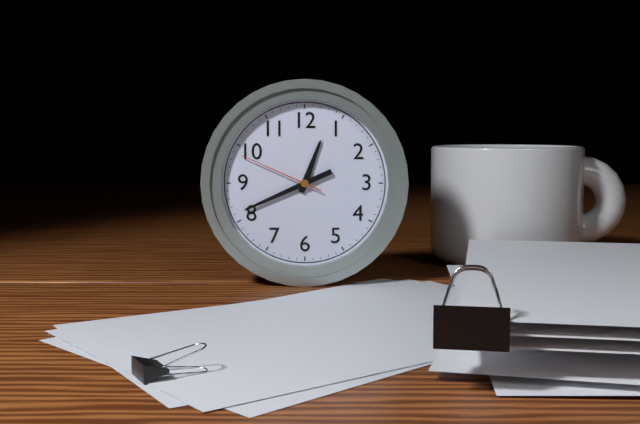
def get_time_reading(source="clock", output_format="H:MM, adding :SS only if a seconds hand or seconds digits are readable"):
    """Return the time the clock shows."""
12:41:49
